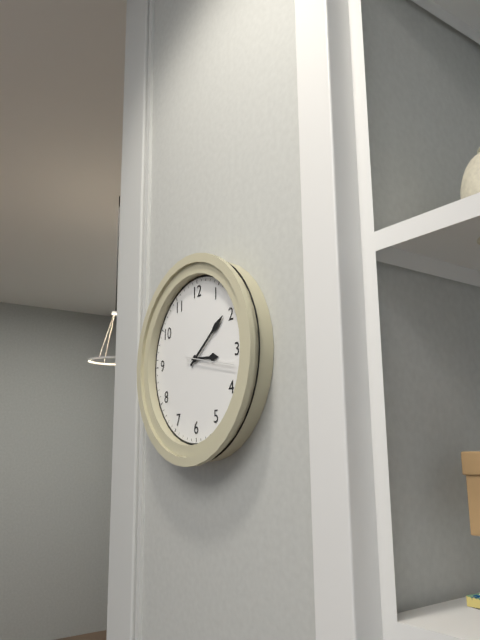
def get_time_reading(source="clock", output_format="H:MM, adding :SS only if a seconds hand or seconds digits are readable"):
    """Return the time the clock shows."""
3:09
